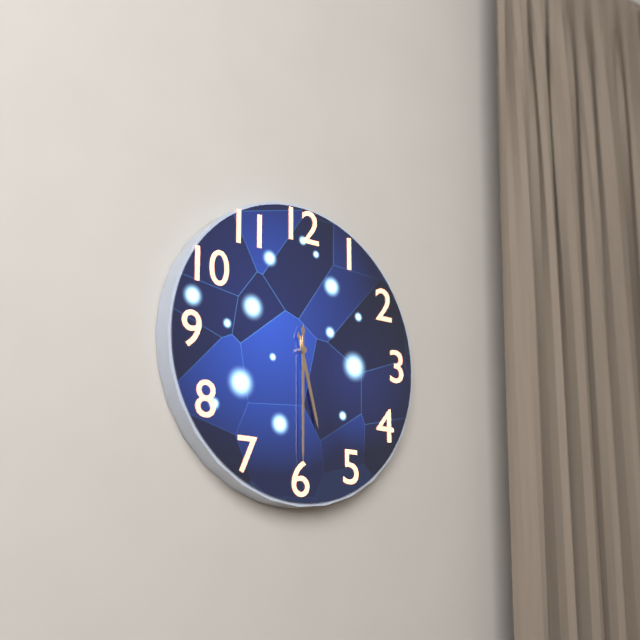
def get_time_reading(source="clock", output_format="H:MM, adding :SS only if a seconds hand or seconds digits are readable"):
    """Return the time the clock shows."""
5:30
